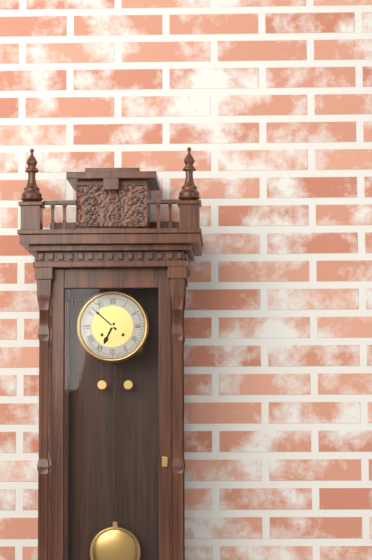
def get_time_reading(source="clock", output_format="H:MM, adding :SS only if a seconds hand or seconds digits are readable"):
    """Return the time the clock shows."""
6:52
